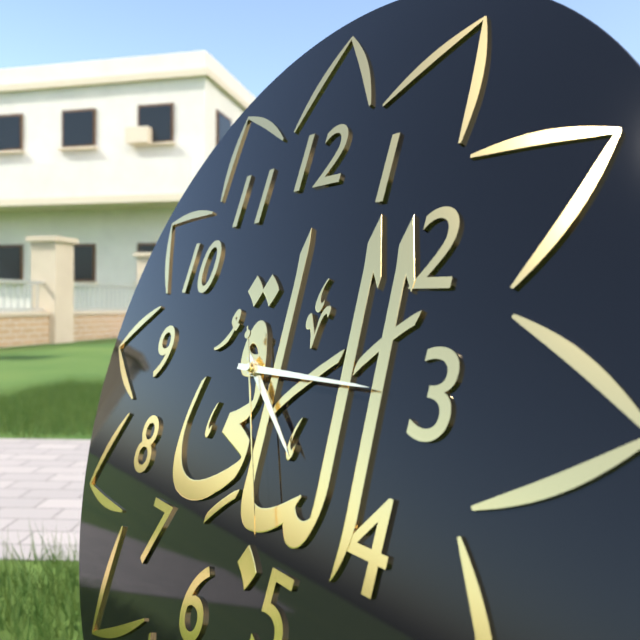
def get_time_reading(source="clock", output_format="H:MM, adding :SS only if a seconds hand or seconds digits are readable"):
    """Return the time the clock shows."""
4:15:25
